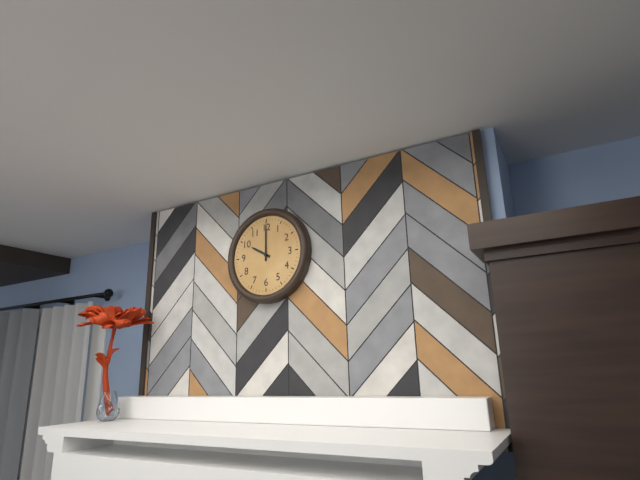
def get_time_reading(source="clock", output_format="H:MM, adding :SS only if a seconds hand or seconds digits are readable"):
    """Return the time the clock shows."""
10:00
